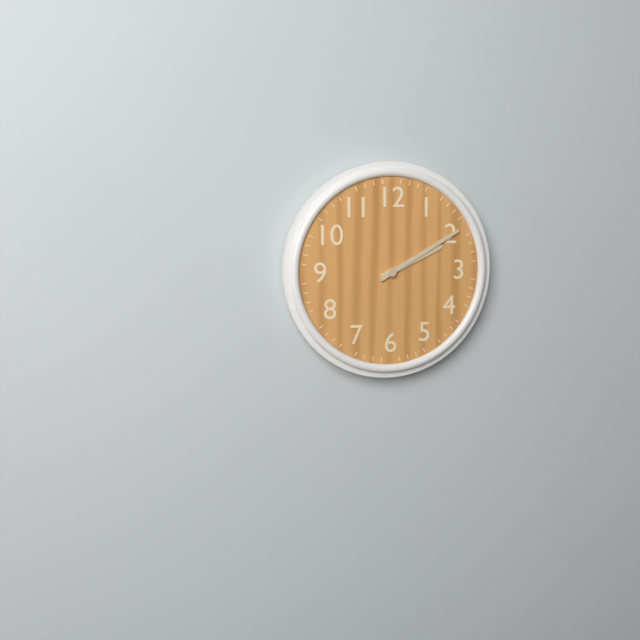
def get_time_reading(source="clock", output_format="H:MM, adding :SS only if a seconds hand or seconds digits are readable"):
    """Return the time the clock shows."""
2:10
